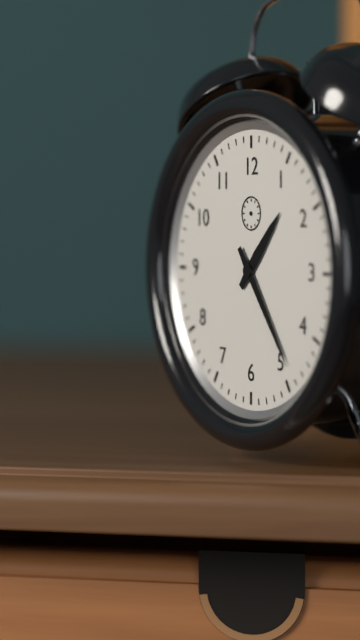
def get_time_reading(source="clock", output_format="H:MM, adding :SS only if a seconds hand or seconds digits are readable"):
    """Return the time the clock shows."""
1:24
